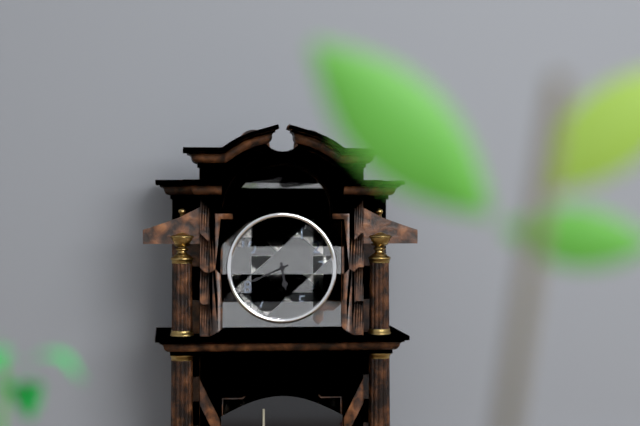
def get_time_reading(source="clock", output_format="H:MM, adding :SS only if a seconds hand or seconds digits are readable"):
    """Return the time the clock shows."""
5:41
